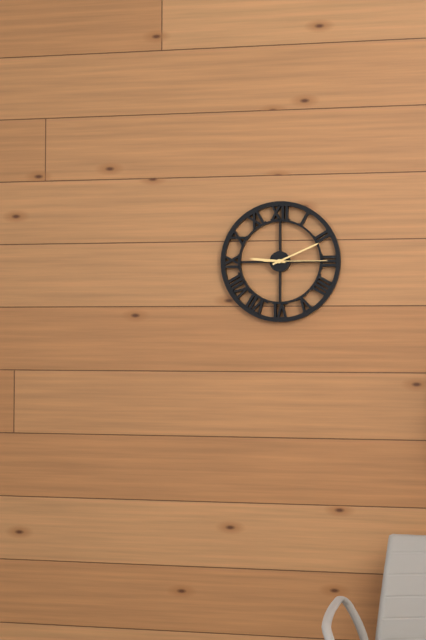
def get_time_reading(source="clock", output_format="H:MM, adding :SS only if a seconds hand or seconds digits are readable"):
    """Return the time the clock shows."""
9:11:15
